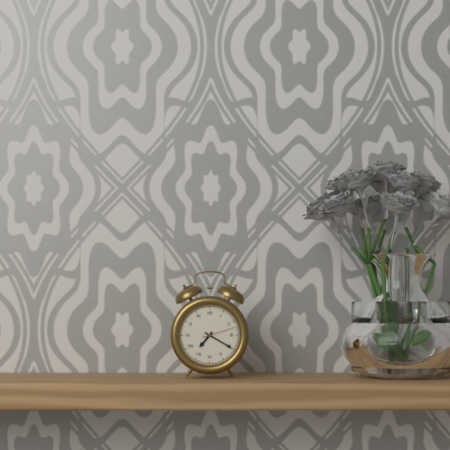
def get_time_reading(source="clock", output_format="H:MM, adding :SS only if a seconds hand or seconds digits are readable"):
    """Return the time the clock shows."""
7:20
